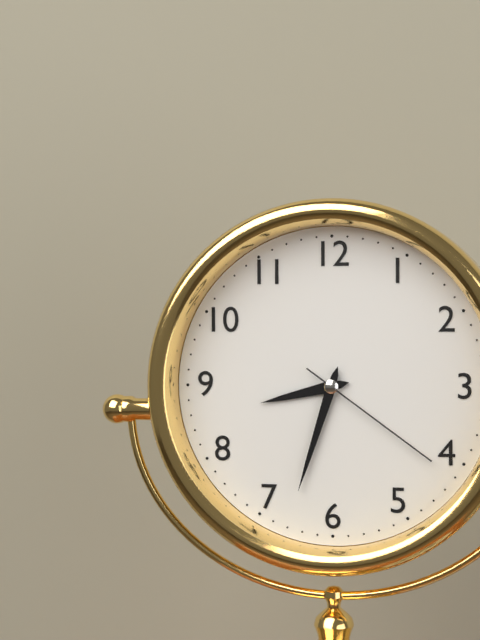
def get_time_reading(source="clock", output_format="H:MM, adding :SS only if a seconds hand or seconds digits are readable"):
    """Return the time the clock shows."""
8:33:21
